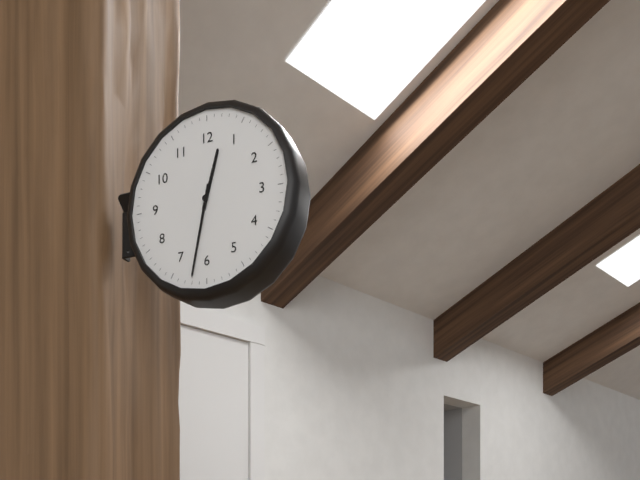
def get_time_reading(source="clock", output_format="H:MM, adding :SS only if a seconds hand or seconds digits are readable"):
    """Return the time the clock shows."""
12:32
